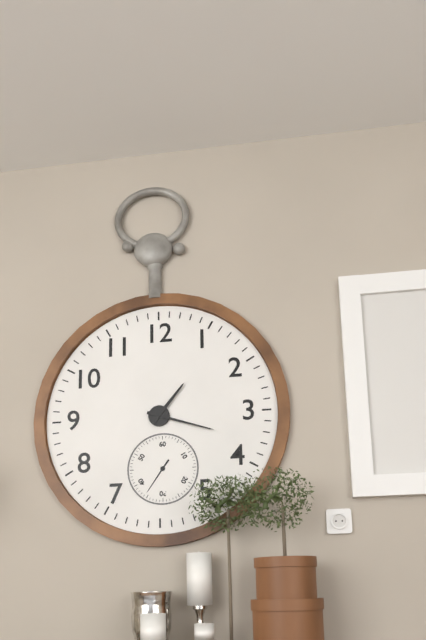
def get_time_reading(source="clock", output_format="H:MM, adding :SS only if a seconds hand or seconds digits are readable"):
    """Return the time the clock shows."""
1:18
